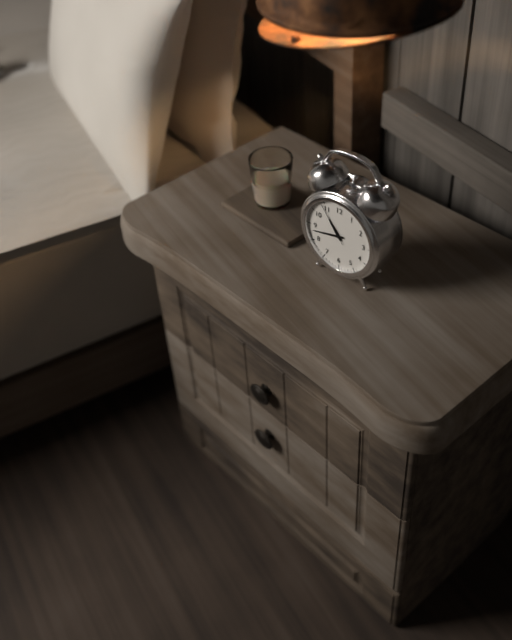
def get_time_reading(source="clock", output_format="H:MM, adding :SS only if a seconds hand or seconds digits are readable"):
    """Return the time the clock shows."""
10:43
